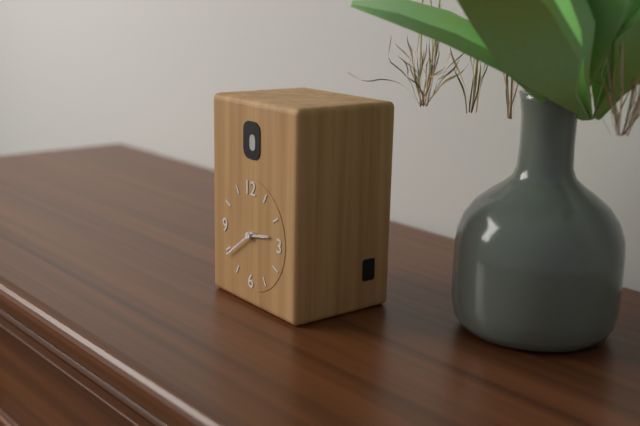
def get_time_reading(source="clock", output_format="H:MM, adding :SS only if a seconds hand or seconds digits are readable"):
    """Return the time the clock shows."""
2:39
